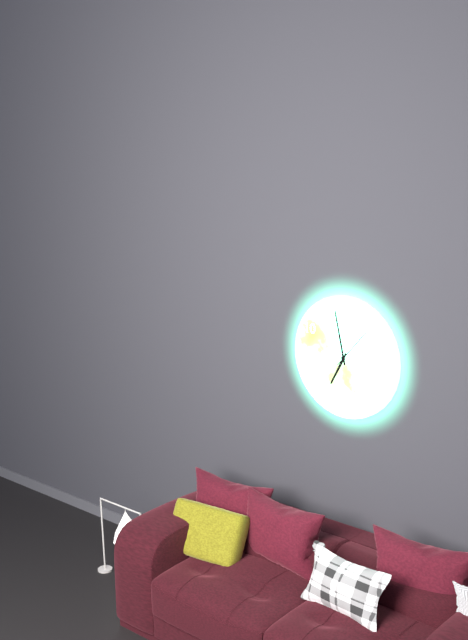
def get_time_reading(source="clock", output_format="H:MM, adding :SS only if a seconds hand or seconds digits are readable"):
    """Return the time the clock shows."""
6:58
